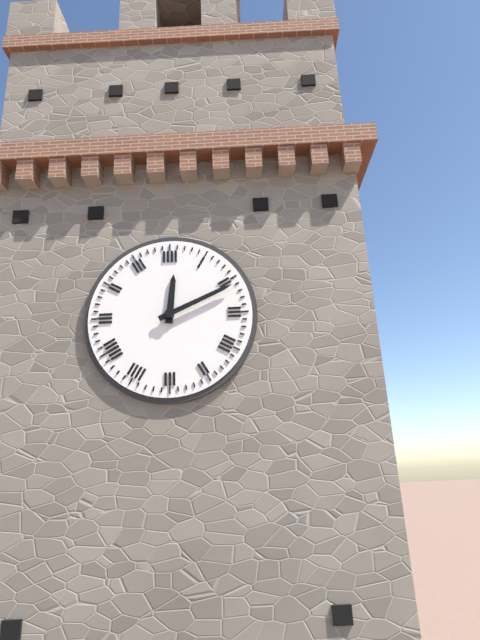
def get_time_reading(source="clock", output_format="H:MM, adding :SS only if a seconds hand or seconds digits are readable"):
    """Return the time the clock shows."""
12:11
